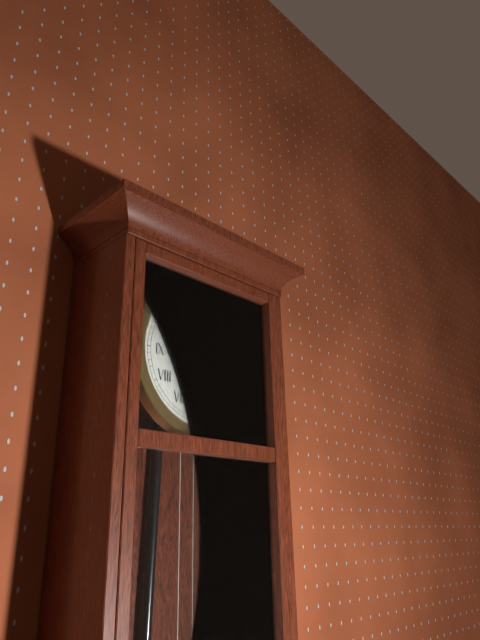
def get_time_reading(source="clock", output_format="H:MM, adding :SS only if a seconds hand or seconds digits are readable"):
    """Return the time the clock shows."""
6:22
